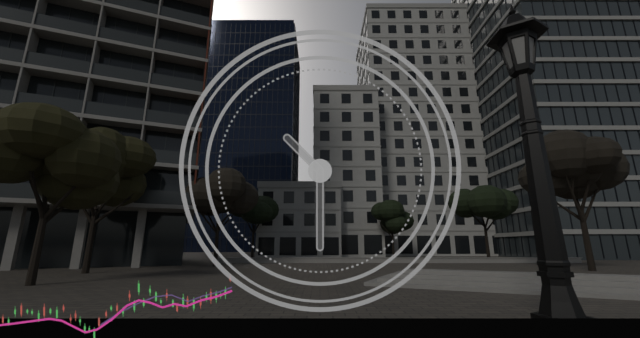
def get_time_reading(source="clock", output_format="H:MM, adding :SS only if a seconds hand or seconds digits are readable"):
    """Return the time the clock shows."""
10:30
